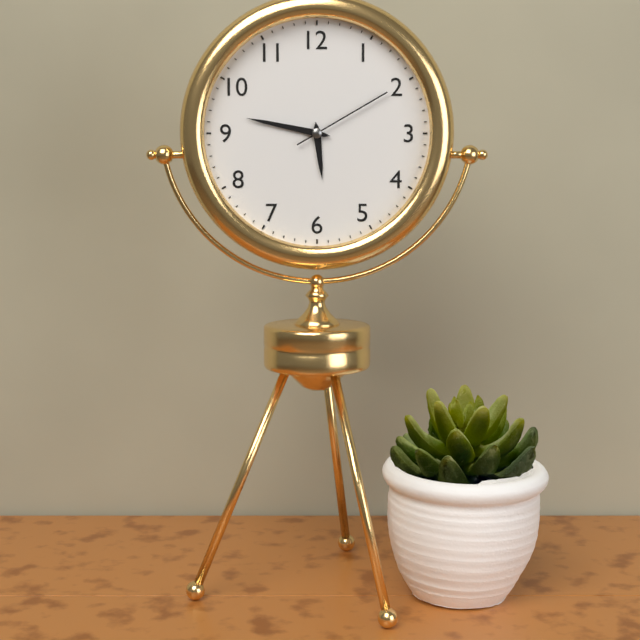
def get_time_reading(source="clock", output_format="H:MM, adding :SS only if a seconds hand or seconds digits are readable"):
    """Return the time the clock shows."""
5:47:10
